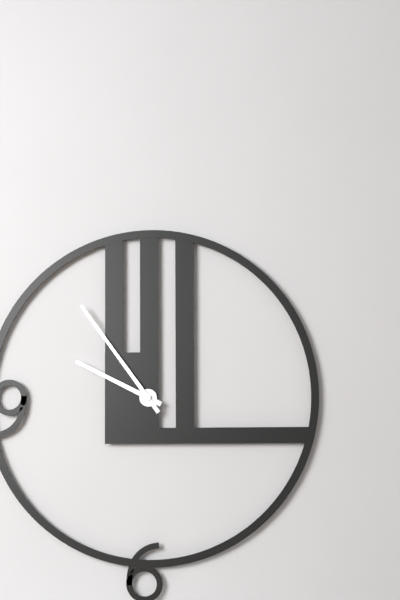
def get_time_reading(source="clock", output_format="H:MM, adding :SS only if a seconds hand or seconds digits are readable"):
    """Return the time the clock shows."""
9:54
